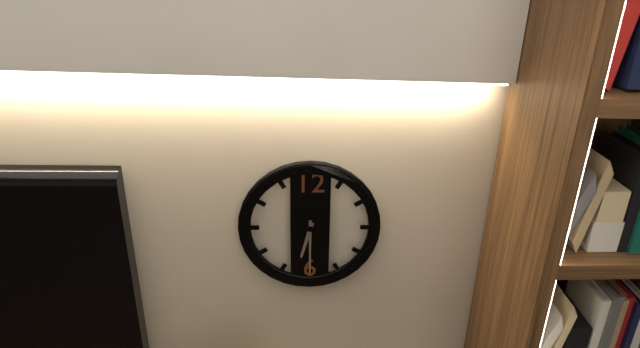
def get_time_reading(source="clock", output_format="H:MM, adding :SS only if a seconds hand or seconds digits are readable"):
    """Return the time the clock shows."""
6:30
